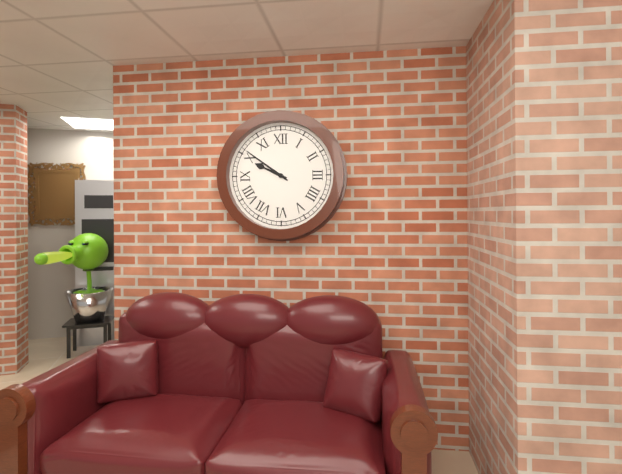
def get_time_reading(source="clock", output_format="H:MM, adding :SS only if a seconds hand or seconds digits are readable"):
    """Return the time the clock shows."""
9:51
